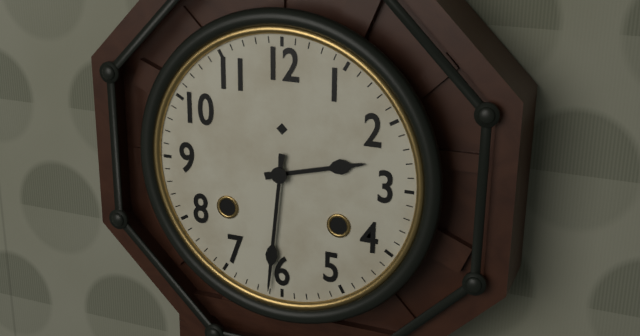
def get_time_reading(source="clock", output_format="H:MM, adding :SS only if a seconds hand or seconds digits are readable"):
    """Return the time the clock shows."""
2:31
